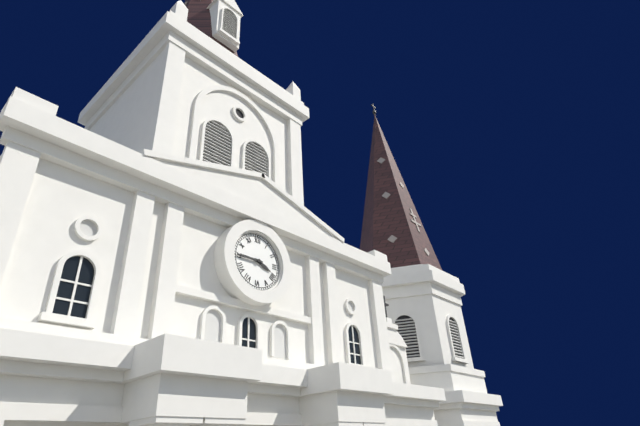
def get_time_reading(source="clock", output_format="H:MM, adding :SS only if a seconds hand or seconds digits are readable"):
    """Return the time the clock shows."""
3:45
